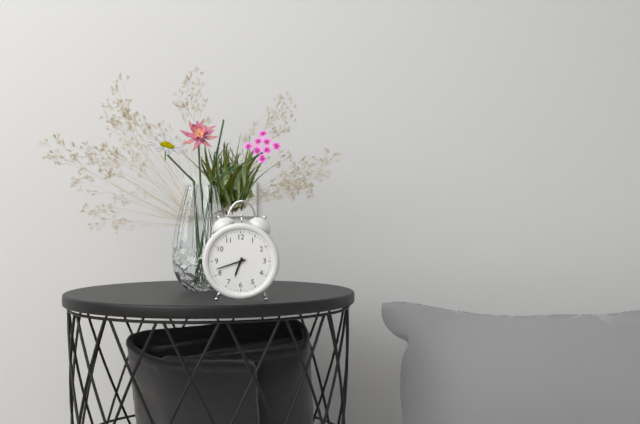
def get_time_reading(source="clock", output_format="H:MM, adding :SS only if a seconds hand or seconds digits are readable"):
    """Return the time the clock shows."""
6:42
